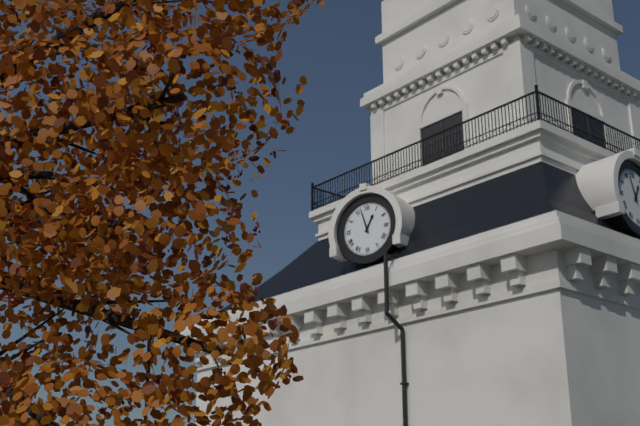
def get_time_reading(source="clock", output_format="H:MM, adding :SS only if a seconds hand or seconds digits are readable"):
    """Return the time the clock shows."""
12:57
